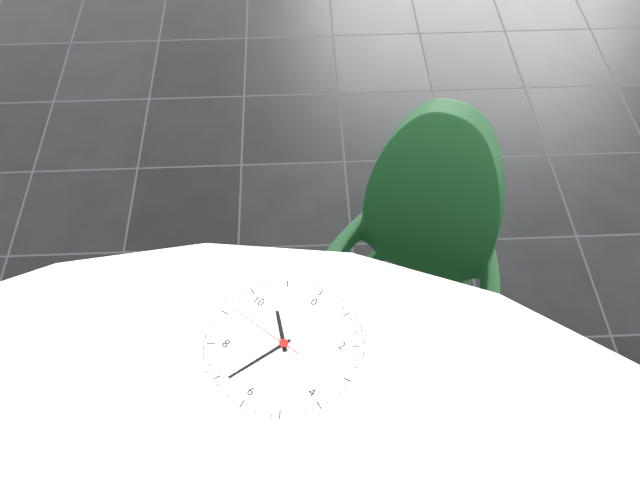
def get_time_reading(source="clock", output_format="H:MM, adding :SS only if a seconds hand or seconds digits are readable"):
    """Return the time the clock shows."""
10:34:46
